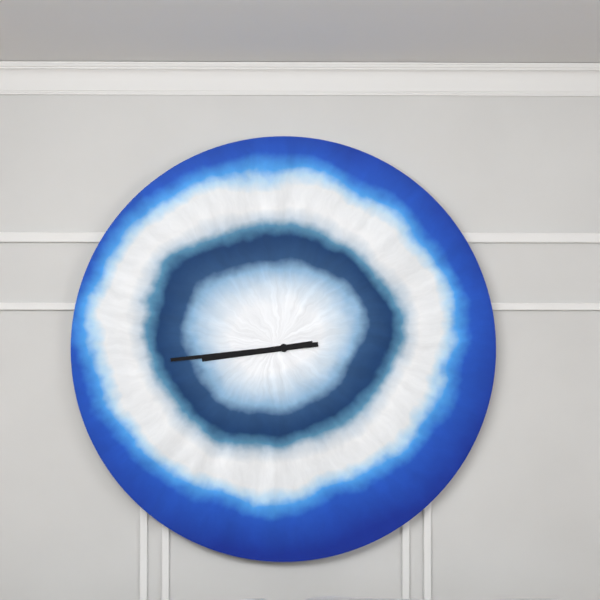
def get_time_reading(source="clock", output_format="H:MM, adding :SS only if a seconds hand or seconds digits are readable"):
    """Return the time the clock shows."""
8:44
